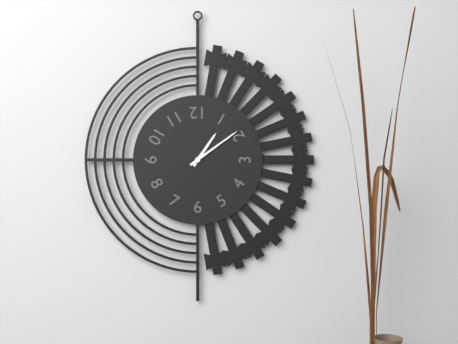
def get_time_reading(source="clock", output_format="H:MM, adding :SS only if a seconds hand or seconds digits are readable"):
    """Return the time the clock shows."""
1:09
